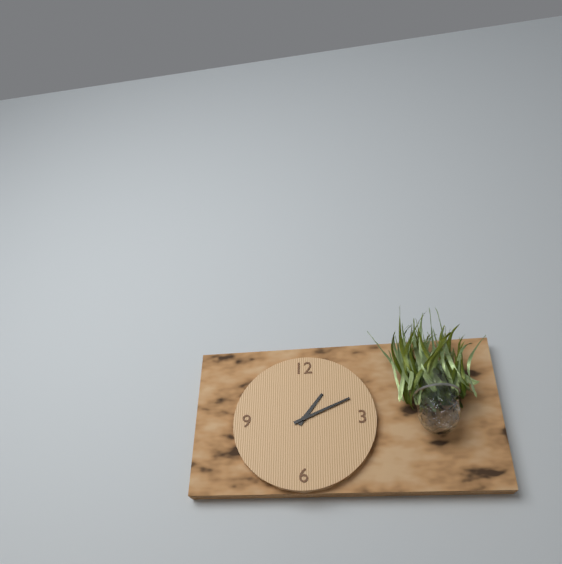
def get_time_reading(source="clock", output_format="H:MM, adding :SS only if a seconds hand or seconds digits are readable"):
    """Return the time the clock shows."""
1:11
